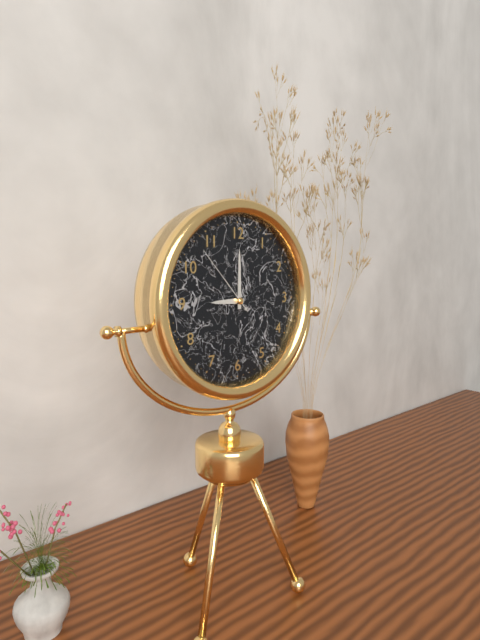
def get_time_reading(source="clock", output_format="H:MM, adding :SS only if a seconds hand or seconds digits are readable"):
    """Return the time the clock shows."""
9:00:53
